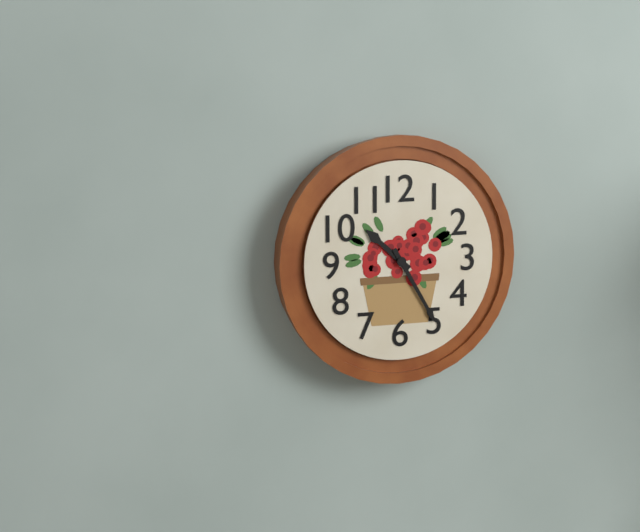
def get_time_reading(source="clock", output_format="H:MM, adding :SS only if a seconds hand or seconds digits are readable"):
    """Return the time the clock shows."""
10:25
